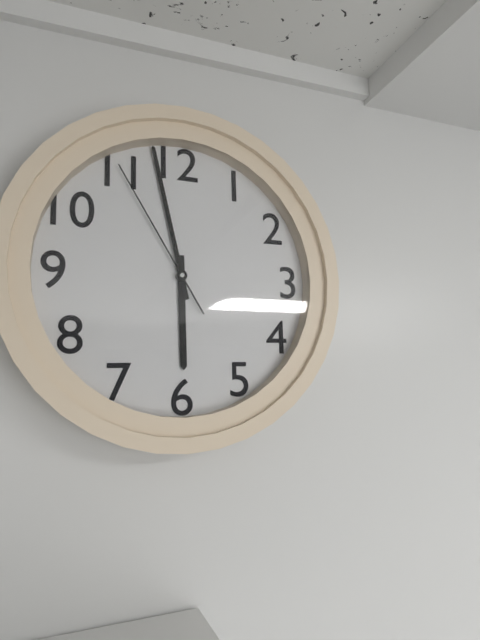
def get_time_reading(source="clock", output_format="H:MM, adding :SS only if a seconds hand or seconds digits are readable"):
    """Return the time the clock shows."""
5:58:55
